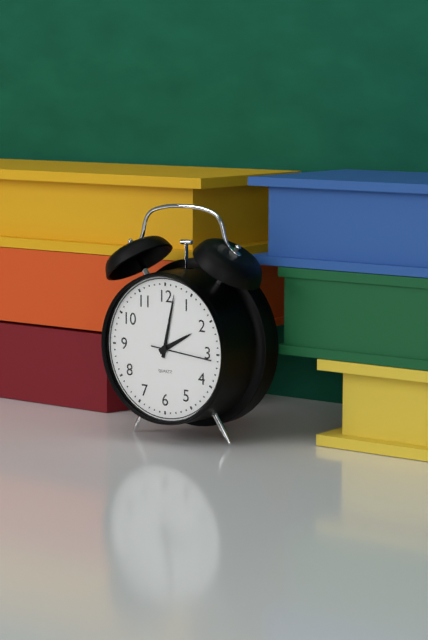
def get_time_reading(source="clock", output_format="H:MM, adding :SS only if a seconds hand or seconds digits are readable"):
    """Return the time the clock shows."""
2:02:16
